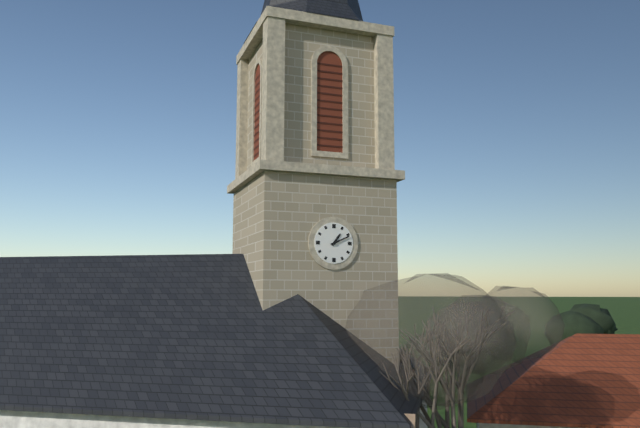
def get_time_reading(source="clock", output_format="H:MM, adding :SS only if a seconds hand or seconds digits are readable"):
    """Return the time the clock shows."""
1:11
